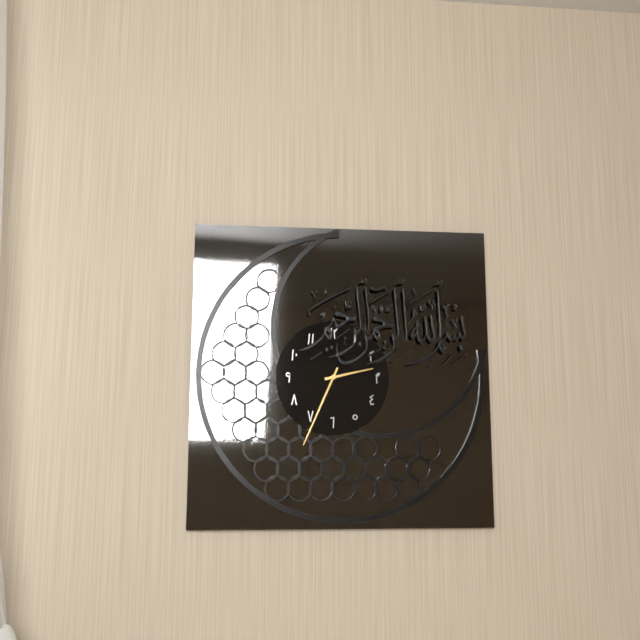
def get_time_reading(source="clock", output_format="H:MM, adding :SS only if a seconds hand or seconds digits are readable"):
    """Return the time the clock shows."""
2:34
